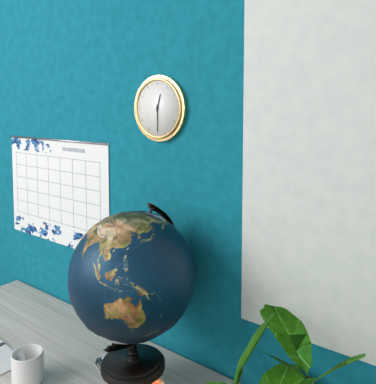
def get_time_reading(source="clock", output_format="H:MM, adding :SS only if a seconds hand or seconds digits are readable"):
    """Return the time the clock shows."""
12:30
